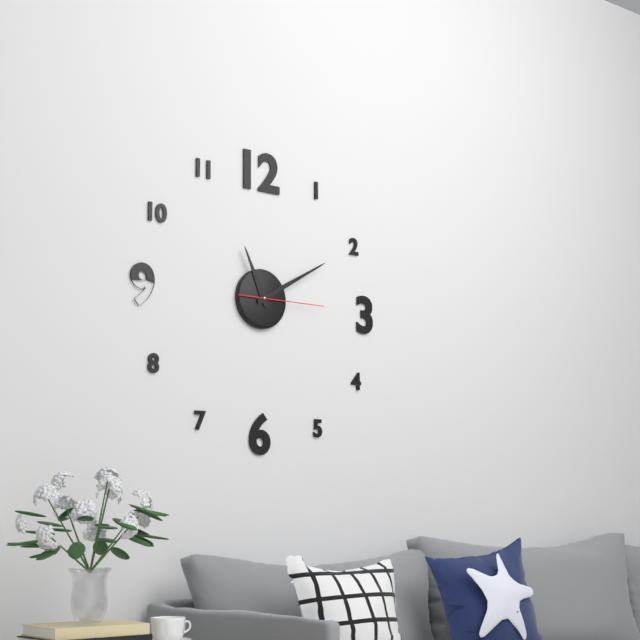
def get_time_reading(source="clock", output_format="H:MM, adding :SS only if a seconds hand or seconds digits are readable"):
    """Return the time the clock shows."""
11:10:15
